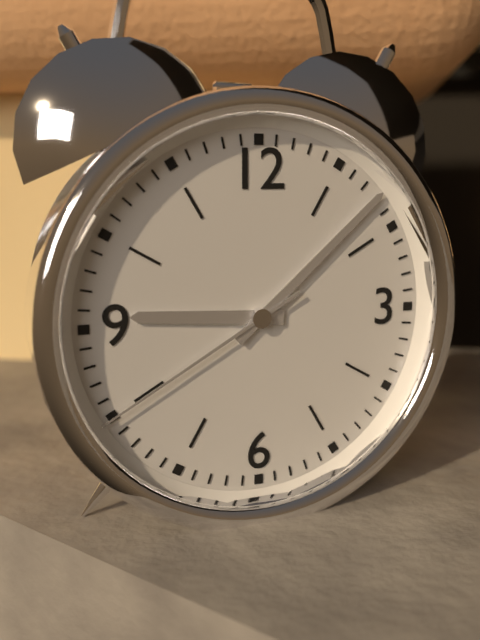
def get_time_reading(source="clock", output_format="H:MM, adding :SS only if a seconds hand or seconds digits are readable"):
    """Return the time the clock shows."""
9:08:40
